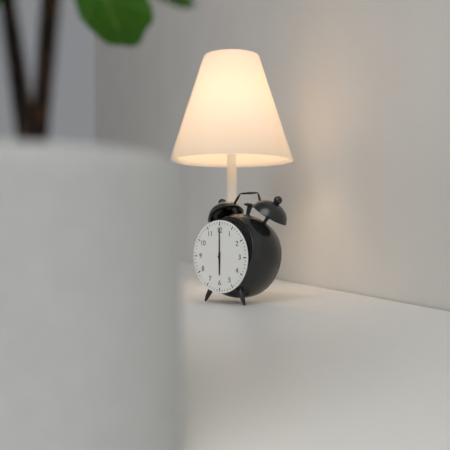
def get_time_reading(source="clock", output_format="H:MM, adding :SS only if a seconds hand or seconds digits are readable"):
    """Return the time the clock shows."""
6:00
